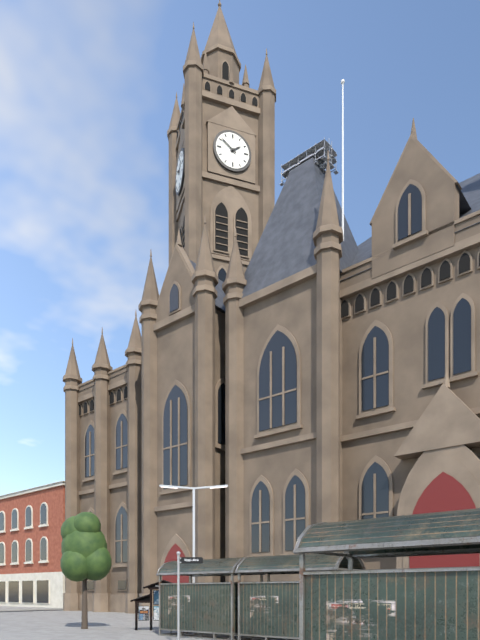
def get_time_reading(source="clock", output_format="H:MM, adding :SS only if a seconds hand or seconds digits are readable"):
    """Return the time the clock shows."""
1:51
